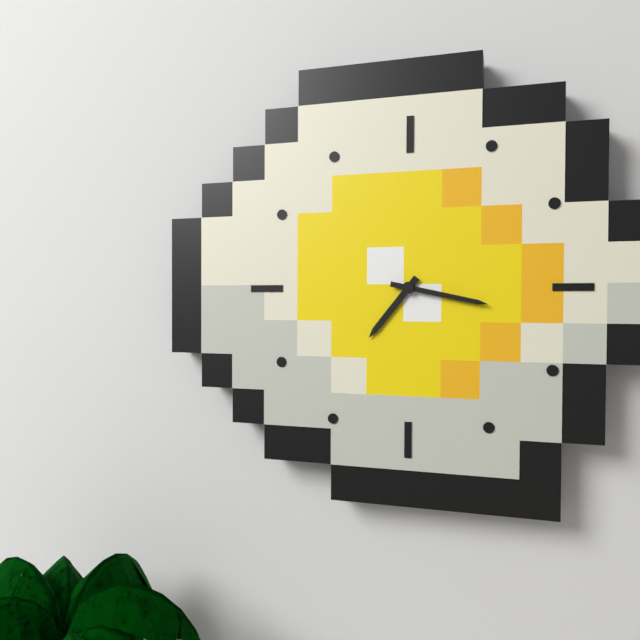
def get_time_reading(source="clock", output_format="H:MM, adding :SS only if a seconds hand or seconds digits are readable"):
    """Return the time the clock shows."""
7:17
